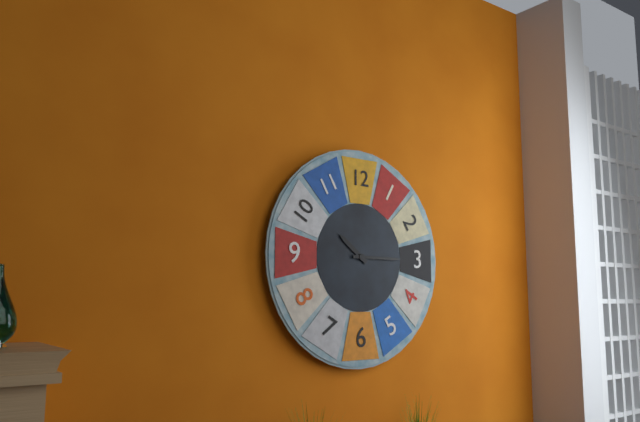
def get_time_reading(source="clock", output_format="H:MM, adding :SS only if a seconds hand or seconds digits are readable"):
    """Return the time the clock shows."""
10:15
